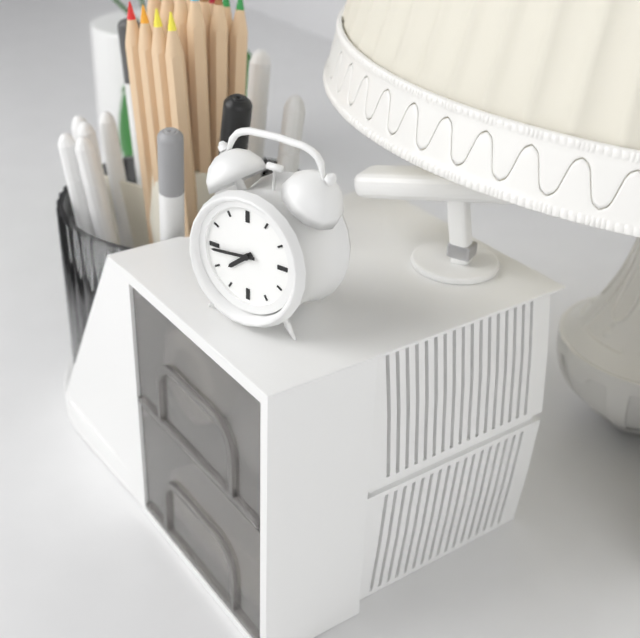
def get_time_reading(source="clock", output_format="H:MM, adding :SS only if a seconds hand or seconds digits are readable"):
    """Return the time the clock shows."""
7:44
